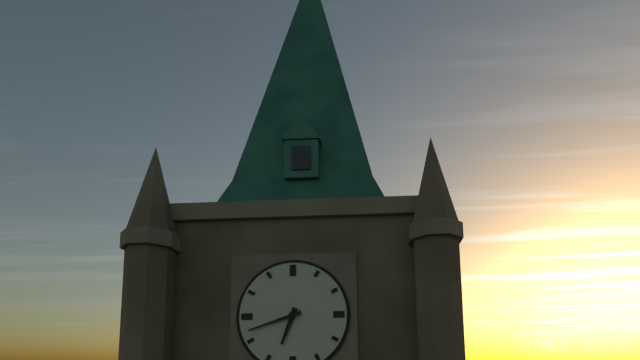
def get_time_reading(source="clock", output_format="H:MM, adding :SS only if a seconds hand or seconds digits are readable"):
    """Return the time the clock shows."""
6:42
